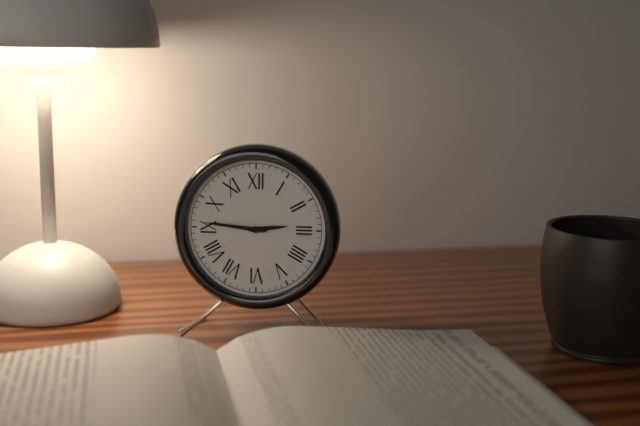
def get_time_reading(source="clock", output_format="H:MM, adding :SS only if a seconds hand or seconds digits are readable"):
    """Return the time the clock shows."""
2:46
